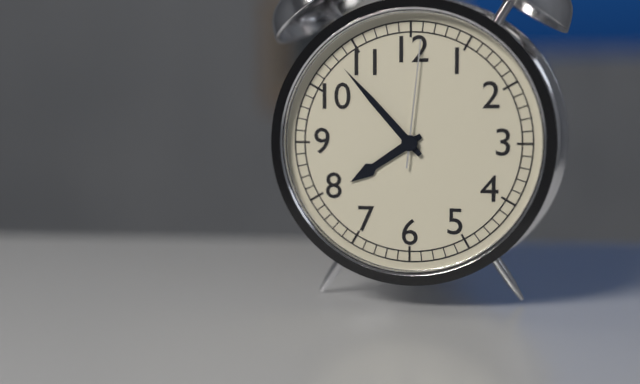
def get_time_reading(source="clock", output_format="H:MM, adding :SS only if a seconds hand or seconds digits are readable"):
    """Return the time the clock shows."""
7:53:01
